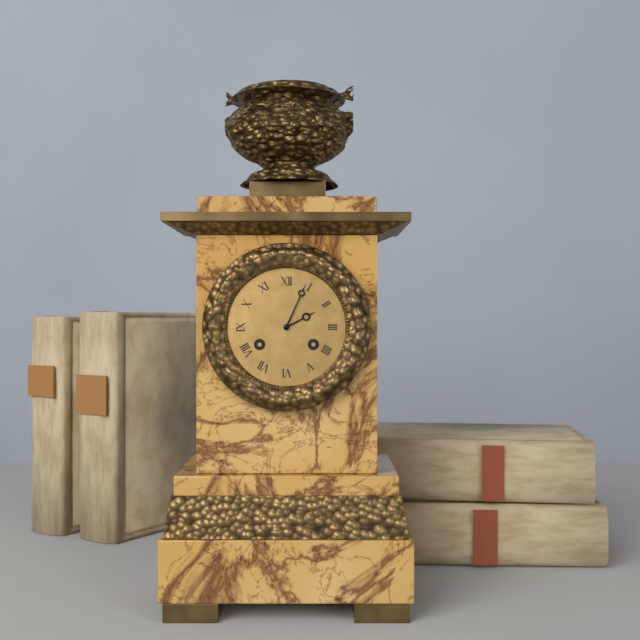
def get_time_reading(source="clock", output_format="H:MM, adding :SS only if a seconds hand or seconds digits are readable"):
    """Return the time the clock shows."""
2:04
